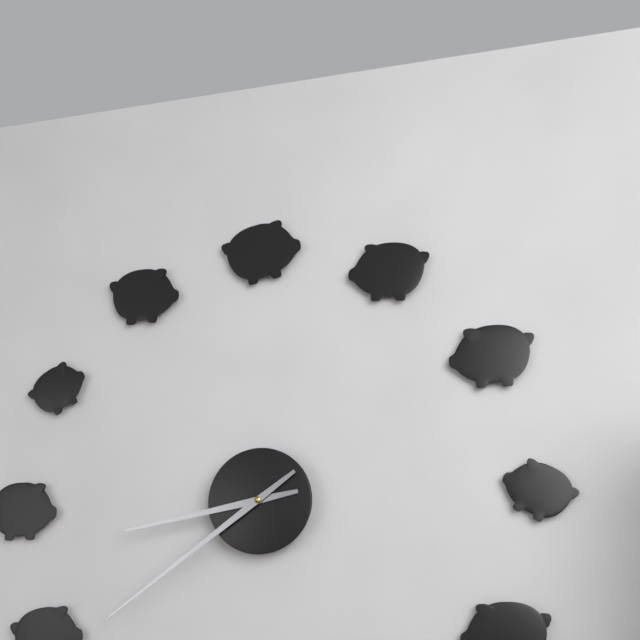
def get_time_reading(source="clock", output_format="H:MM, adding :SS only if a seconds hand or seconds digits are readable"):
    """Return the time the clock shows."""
8:39
